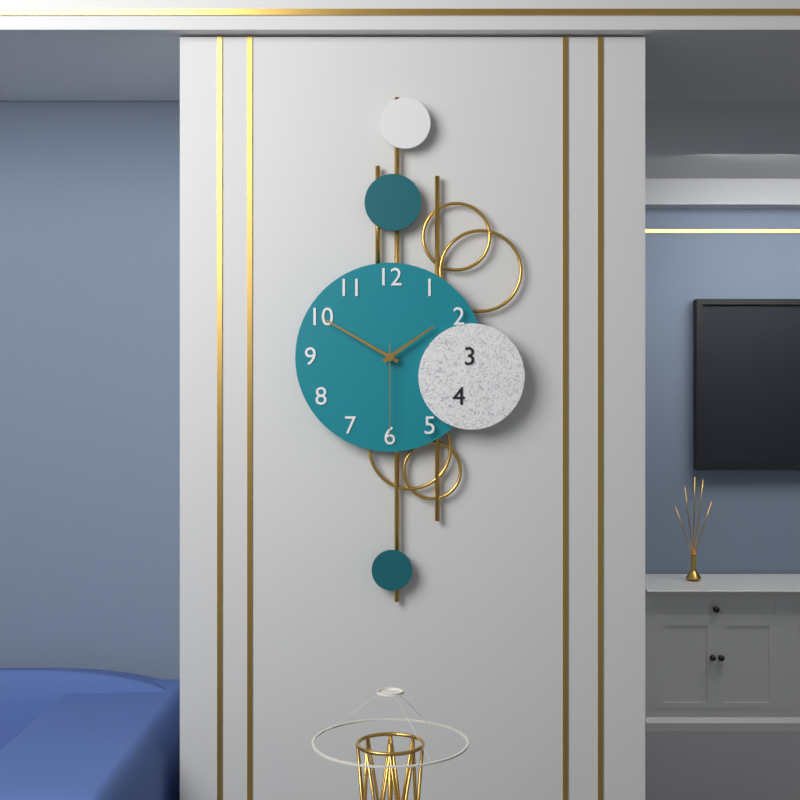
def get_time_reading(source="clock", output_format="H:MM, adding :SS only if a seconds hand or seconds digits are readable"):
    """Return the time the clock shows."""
1:50:30
